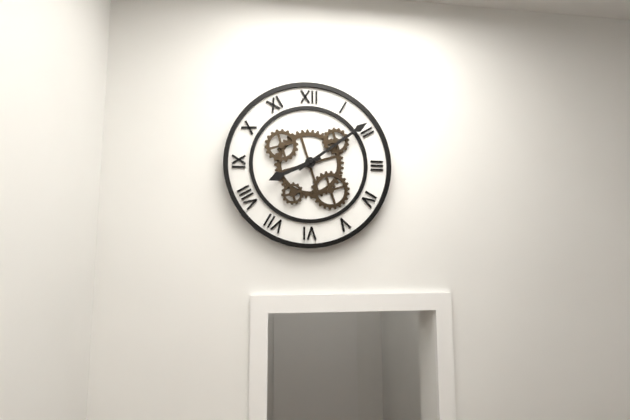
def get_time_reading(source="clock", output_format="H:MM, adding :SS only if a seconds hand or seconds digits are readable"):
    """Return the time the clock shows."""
8:09
